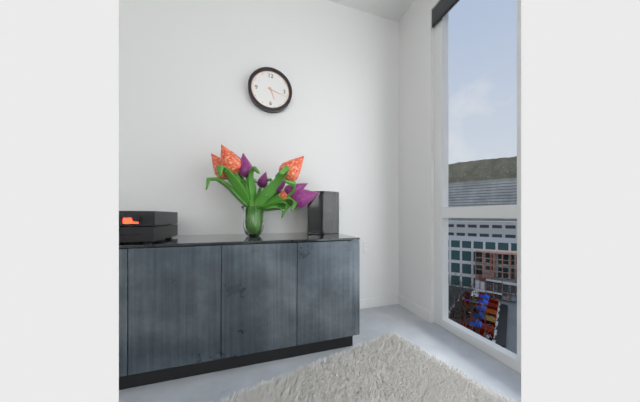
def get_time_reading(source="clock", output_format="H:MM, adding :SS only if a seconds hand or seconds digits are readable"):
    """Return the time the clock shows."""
5:18
